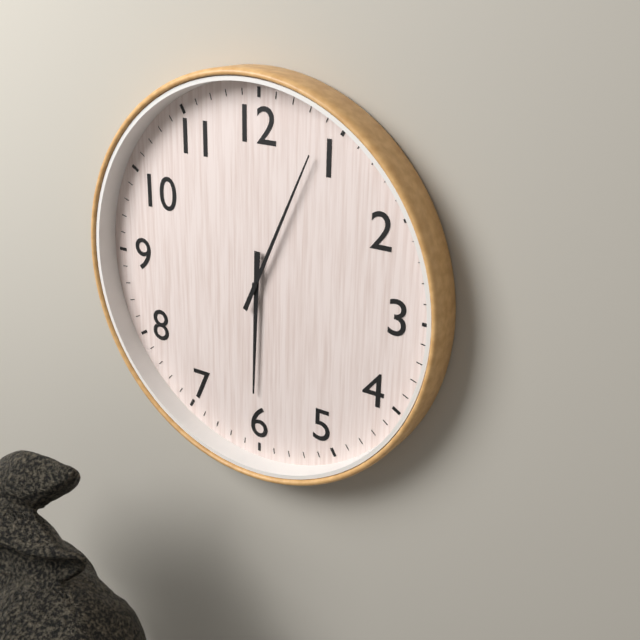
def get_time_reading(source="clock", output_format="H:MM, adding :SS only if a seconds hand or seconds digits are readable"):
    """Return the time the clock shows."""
6:04
